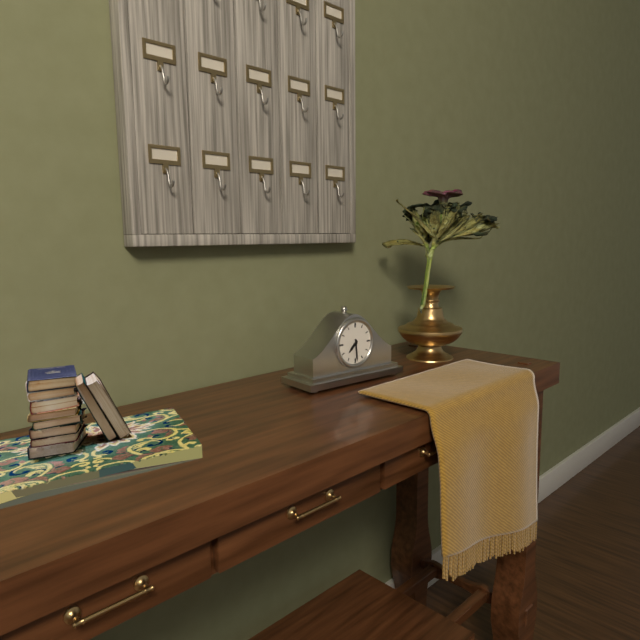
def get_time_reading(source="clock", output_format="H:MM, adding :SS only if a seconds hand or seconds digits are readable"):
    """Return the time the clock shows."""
7:29
